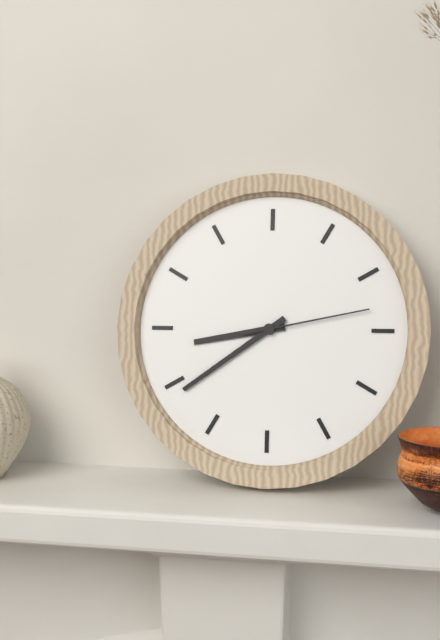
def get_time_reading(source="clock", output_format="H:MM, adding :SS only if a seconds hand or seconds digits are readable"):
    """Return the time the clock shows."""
8:39:13
